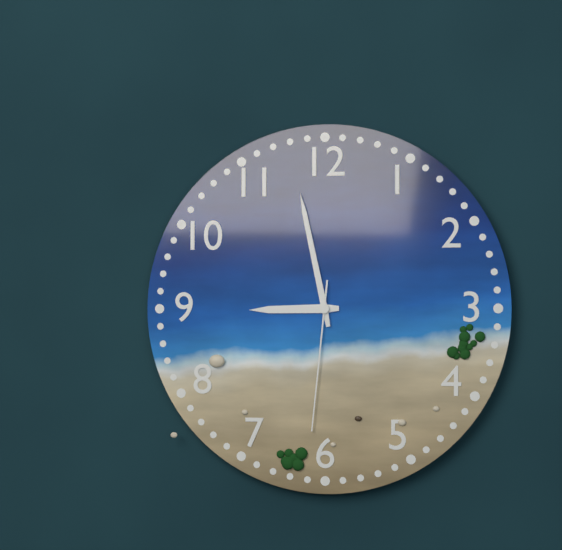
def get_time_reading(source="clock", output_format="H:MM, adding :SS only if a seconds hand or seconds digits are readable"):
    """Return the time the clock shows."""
8:58:31
